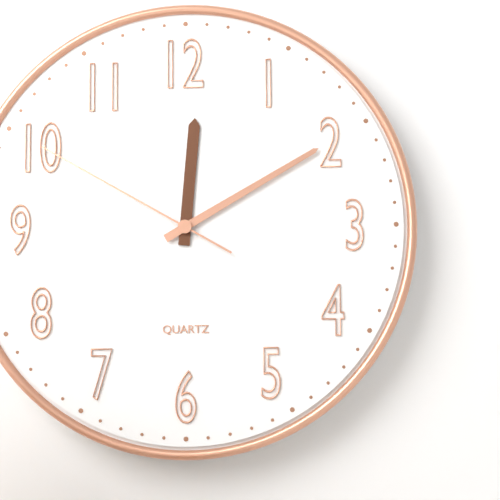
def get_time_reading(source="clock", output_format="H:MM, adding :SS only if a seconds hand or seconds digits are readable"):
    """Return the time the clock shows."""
12:10:50
